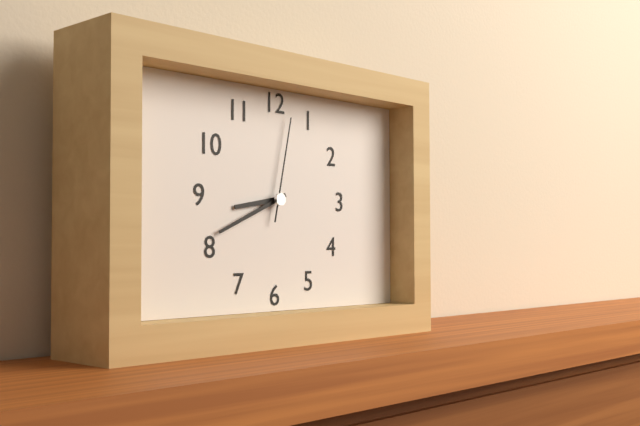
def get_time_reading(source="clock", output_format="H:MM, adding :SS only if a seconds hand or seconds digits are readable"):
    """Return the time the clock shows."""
8:41:02
